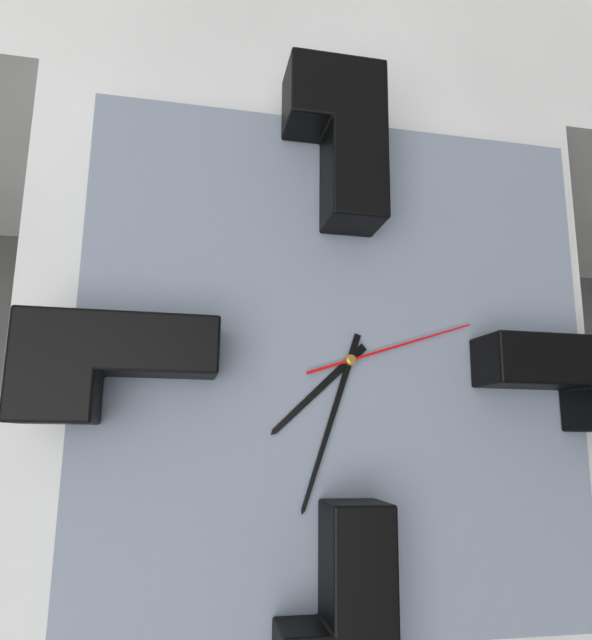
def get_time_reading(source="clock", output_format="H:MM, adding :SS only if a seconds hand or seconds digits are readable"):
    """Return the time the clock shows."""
7:33:12
